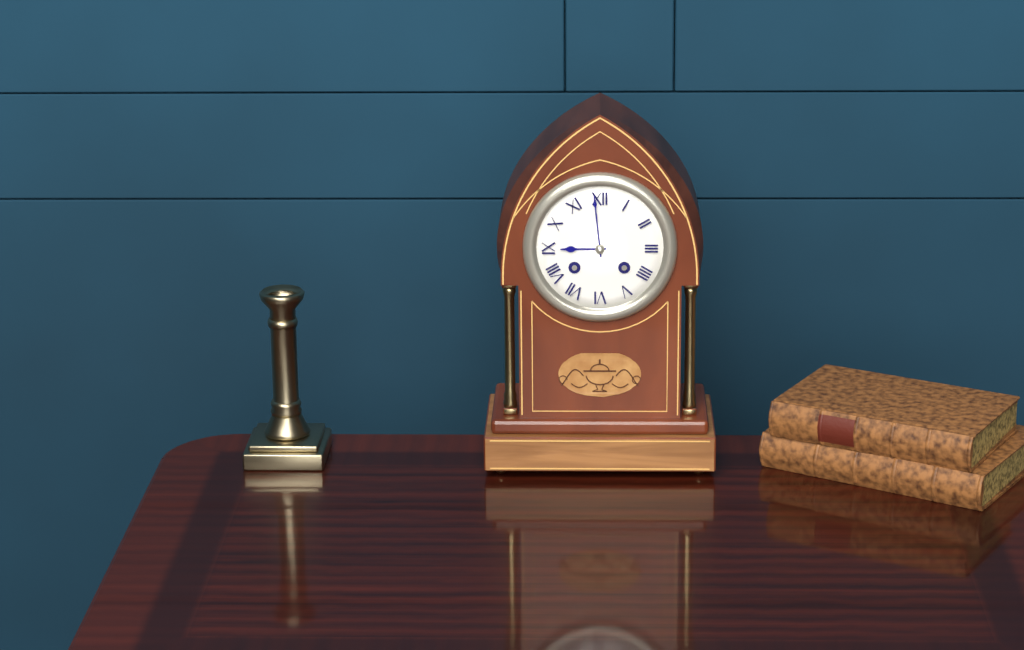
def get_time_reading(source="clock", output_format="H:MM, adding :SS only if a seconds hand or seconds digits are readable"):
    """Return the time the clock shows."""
8:59
